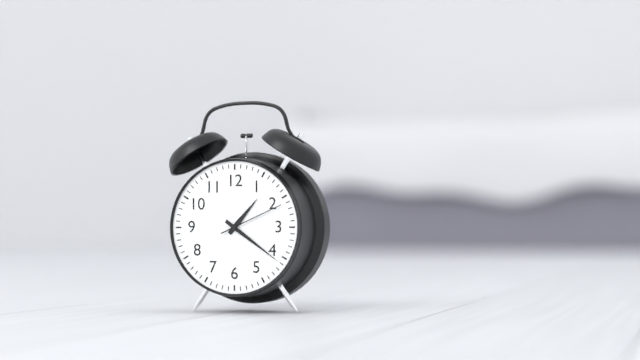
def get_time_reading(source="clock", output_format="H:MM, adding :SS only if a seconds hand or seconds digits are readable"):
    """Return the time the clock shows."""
1:21:11
